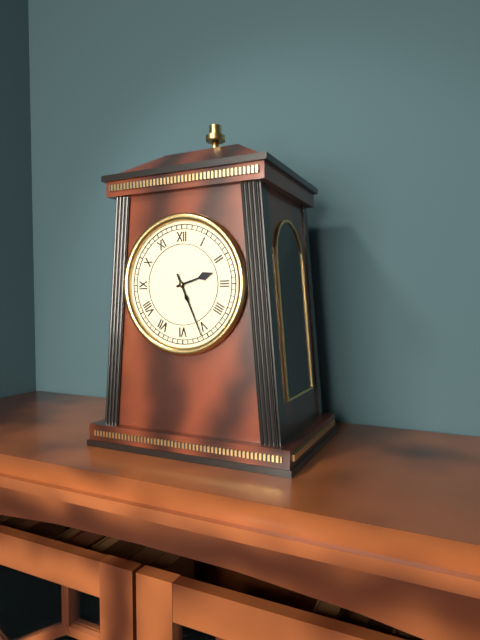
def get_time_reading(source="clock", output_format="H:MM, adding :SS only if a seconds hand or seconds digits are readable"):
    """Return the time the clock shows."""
2:26
